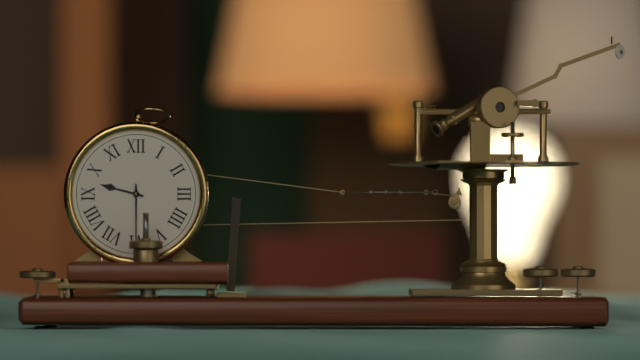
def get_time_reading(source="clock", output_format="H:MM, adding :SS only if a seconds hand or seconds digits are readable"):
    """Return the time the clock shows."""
9:30
